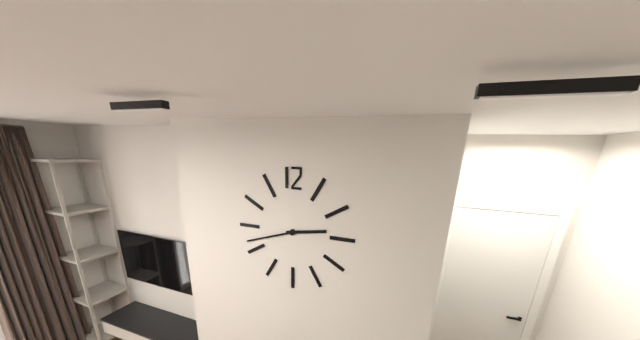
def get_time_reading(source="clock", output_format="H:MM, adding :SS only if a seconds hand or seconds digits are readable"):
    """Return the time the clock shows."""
2:42
